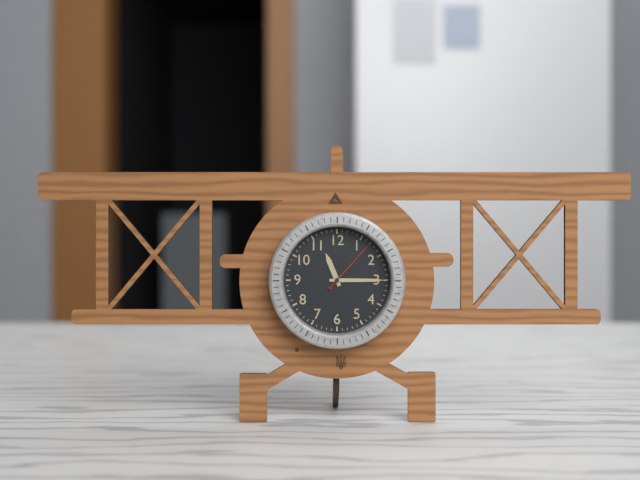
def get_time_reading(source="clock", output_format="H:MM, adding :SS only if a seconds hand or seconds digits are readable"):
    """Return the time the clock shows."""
11:15:07
